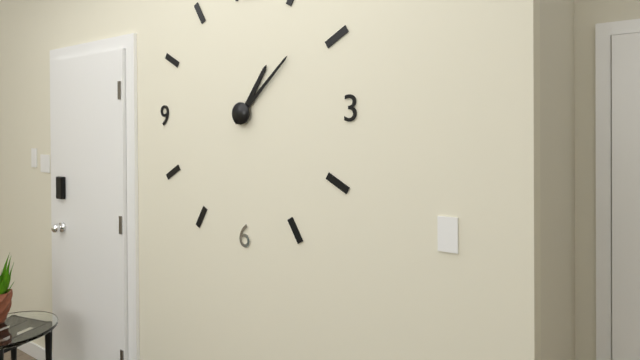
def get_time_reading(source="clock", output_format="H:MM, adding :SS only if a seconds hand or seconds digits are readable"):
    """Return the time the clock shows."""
1:08
